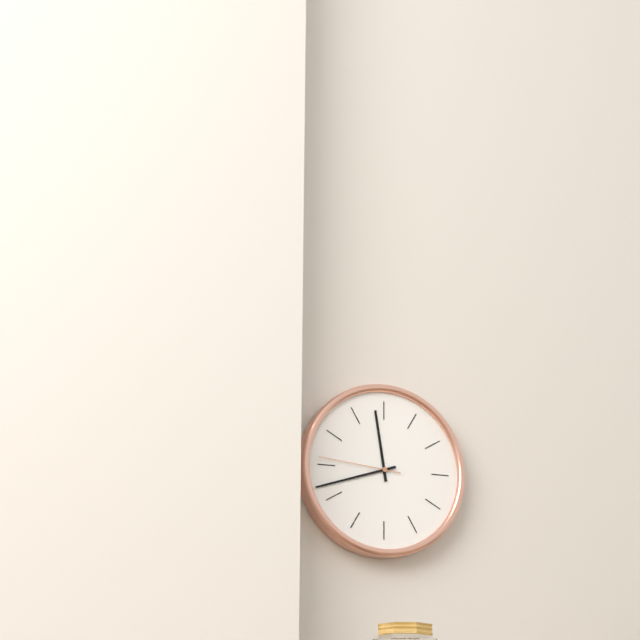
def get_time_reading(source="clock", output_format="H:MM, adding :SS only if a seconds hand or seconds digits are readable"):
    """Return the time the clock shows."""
11:42:46
